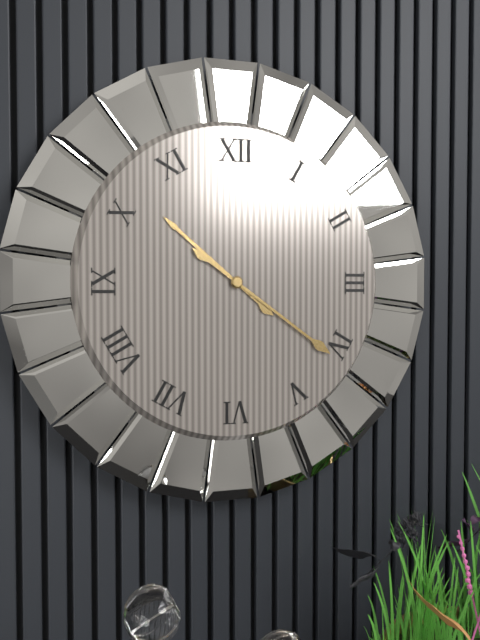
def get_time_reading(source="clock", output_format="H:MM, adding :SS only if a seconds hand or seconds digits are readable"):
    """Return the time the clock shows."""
10:21
